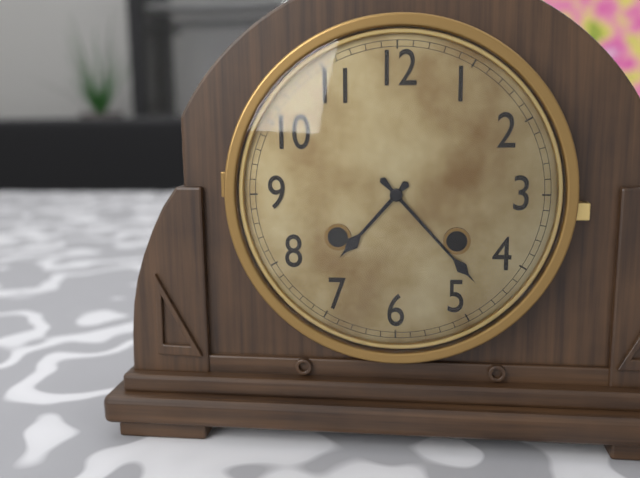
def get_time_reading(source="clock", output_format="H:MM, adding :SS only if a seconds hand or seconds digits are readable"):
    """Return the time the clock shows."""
7:23
